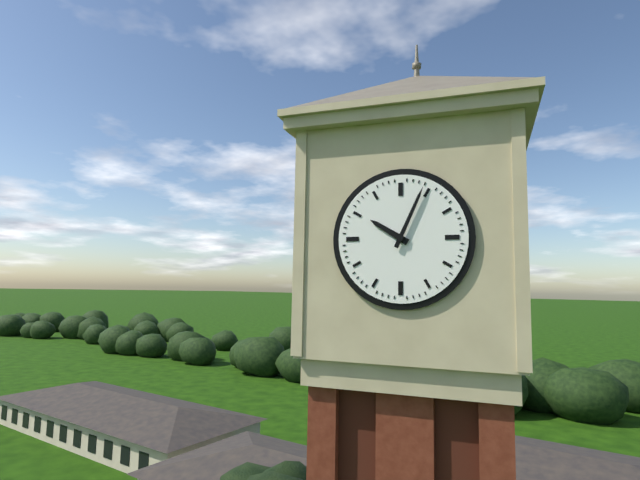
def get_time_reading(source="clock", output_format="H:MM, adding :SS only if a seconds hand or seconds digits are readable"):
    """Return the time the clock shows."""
10:04
